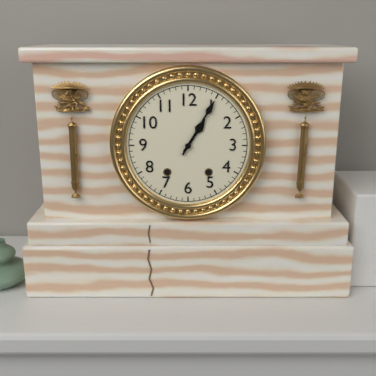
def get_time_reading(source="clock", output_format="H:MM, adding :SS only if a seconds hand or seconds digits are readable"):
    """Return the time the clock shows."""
1:05
